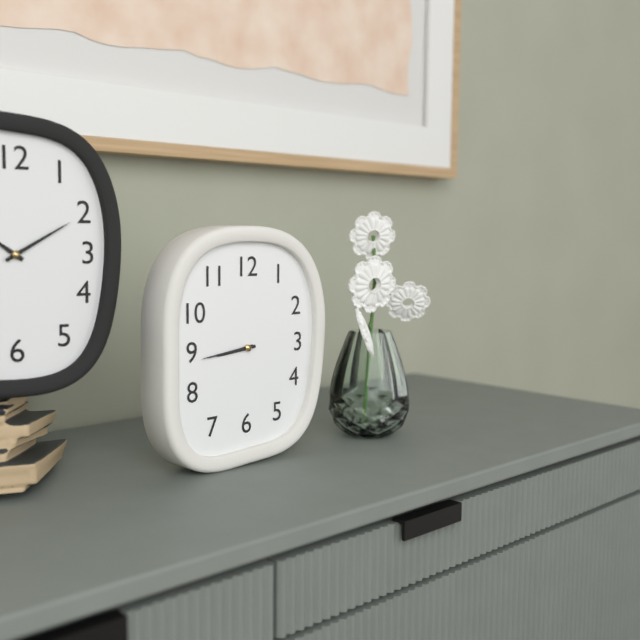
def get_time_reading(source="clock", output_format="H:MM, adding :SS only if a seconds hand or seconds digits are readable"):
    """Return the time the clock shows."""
8:44
